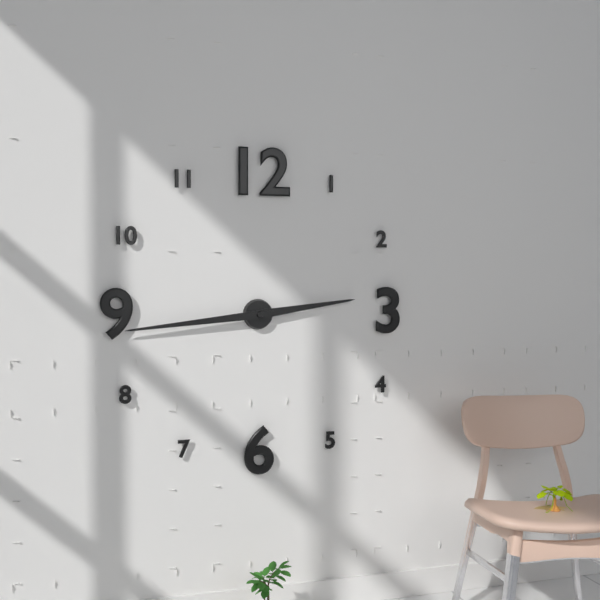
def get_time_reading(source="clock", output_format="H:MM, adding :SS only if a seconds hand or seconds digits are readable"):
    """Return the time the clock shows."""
2:44
